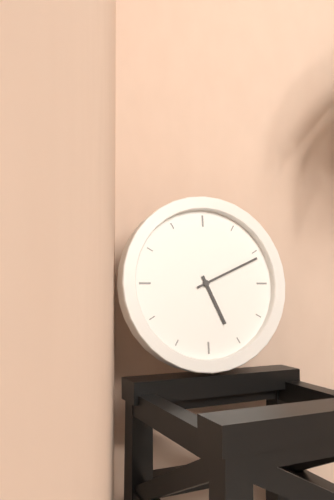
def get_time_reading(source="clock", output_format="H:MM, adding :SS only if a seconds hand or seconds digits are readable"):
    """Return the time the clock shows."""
5:11
